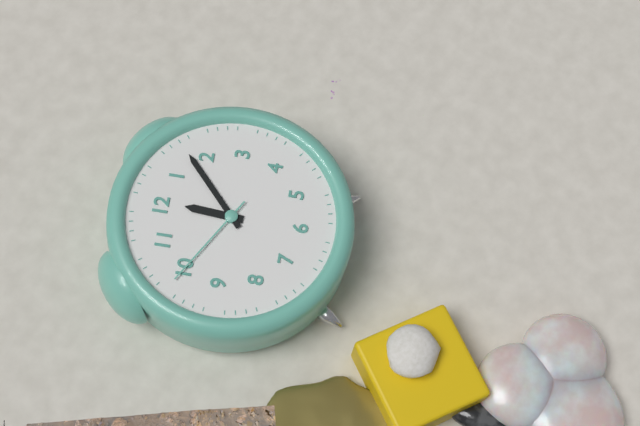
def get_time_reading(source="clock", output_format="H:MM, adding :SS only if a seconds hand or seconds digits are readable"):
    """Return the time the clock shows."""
12:08:50
